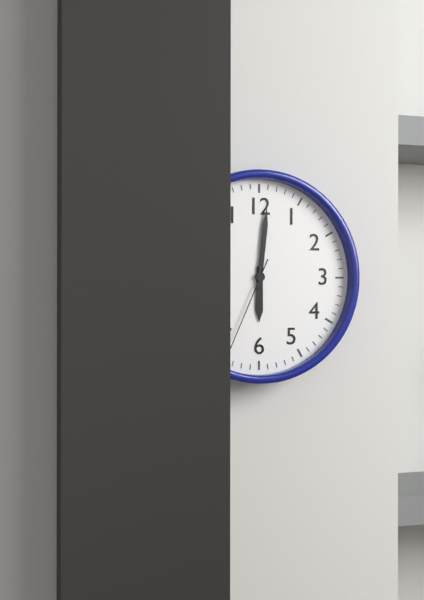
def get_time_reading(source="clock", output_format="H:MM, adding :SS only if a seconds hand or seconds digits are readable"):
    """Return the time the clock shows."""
6:01:34
